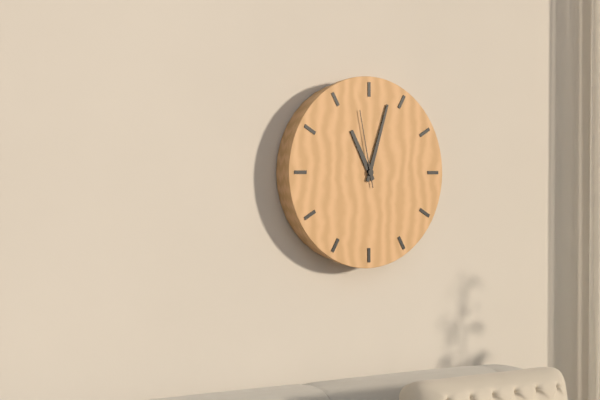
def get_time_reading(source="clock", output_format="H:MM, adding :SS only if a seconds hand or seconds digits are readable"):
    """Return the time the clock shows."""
11:03:58
